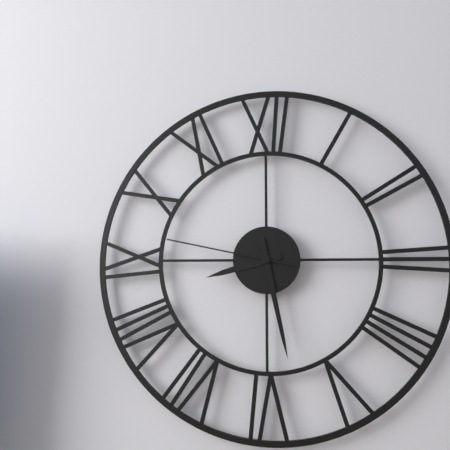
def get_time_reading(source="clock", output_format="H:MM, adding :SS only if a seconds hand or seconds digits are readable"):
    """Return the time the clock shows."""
8:28:47
